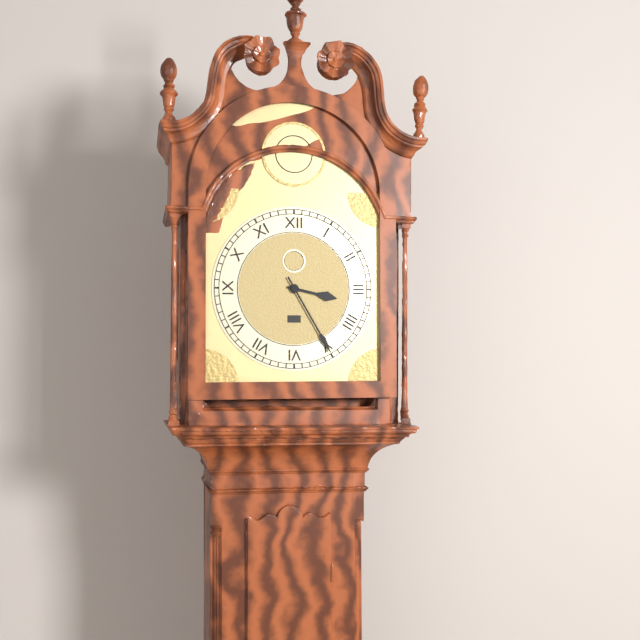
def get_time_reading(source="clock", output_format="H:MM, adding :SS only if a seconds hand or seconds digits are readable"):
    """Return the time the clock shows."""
3:25
